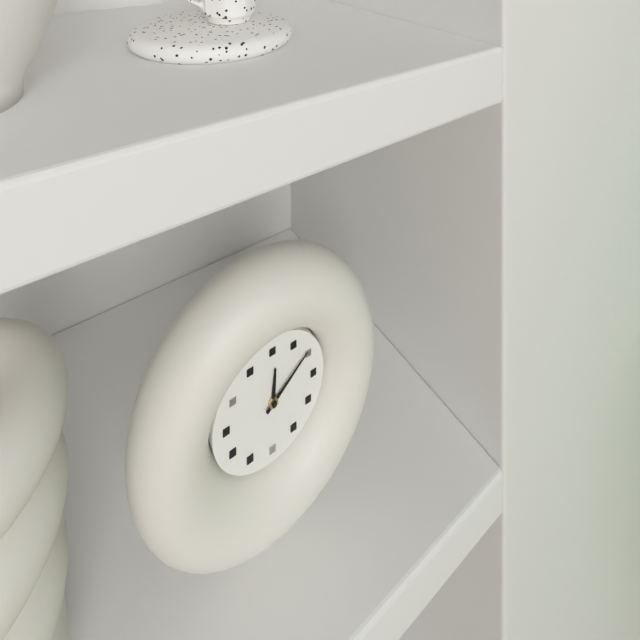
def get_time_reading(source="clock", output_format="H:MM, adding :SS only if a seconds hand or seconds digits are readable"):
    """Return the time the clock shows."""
12:09
